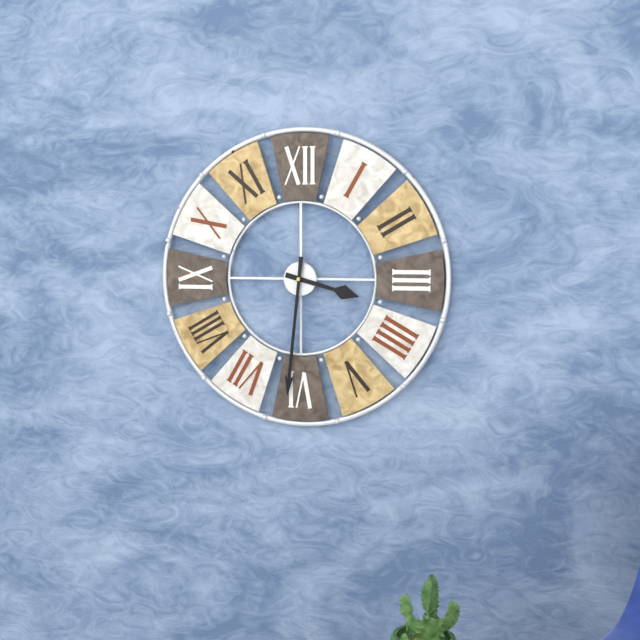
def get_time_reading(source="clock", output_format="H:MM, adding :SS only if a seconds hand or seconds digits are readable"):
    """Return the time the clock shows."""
3:31
